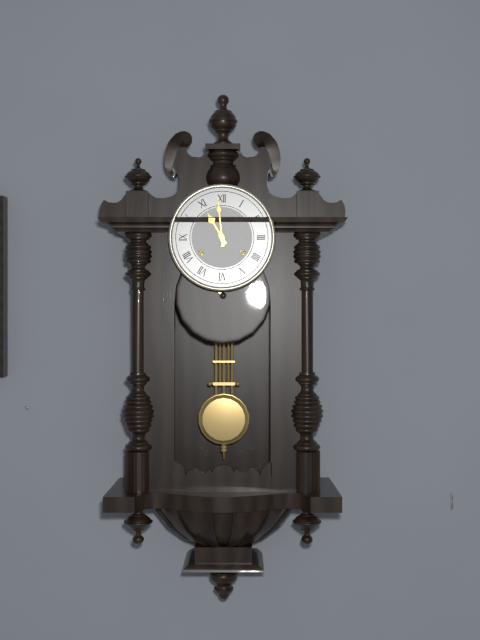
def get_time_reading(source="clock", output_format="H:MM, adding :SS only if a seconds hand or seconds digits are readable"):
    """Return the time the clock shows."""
10:59
